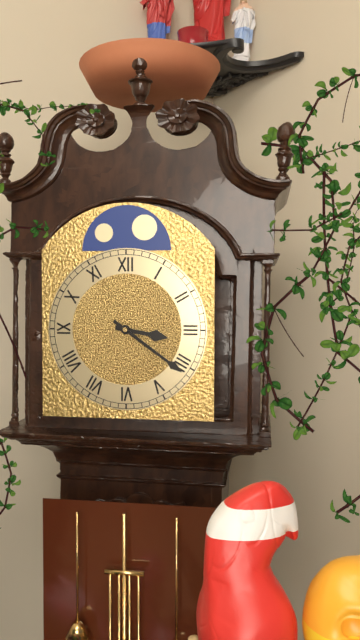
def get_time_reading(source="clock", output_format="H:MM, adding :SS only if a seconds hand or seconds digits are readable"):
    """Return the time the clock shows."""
3:21
